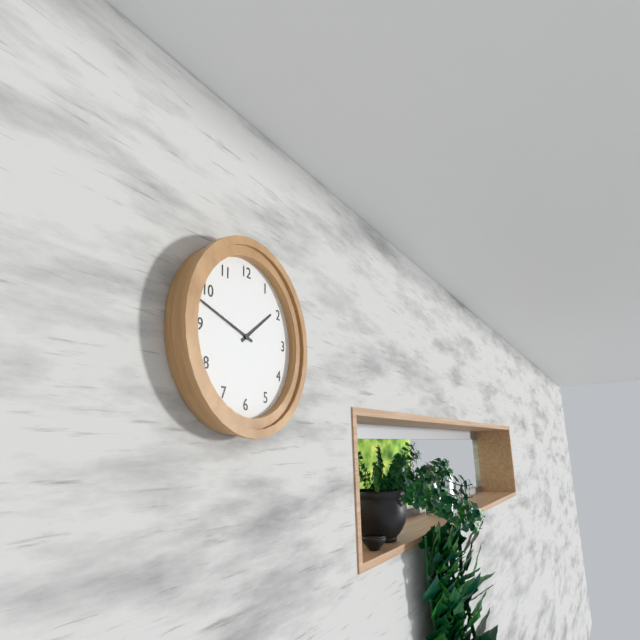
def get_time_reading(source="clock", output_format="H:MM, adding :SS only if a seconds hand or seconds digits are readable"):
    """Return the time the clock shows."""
1:48
